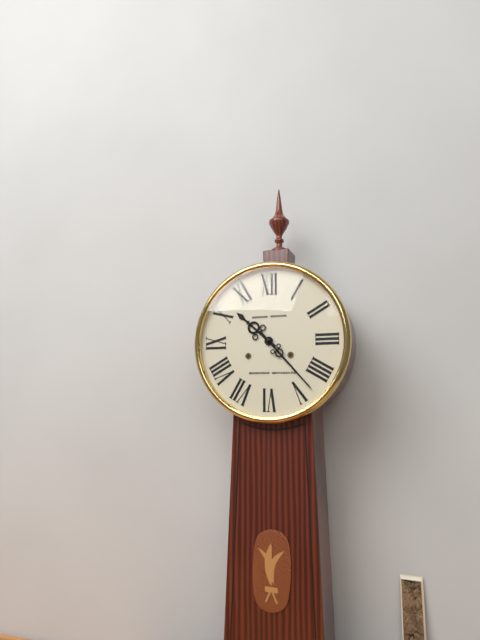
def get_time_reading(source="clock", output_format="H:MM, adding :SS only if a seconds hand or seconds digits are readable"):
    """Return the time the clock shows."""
10:23
